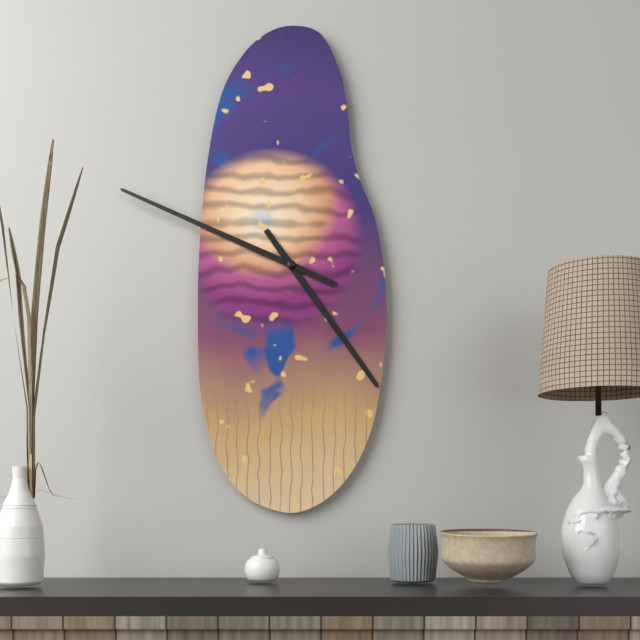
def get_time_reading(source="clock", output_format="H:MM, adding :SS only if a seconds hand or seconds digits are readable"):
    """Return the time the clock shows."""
4:49
